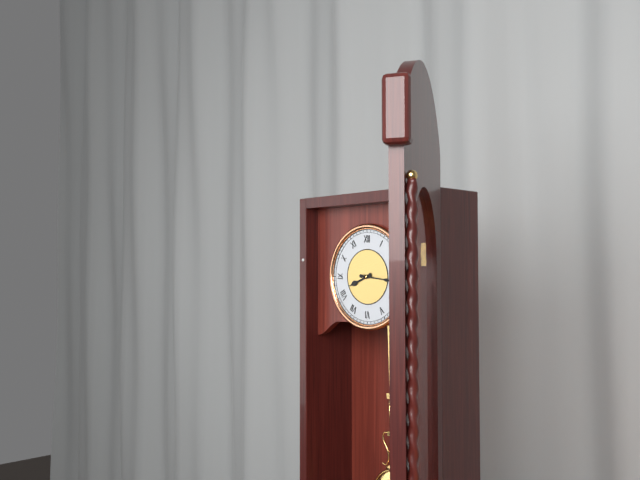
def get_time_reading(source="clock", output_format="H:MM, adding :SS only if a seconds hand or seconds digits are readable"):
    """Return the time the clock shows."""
8:16
